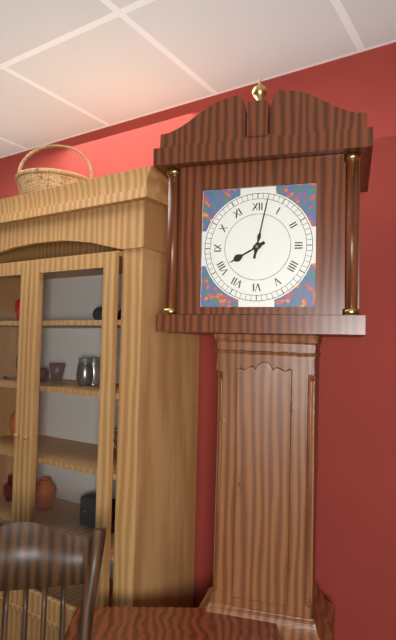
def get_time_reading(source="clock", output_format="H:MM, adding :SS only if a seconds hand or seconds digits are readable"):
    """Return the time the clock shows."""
8:02
